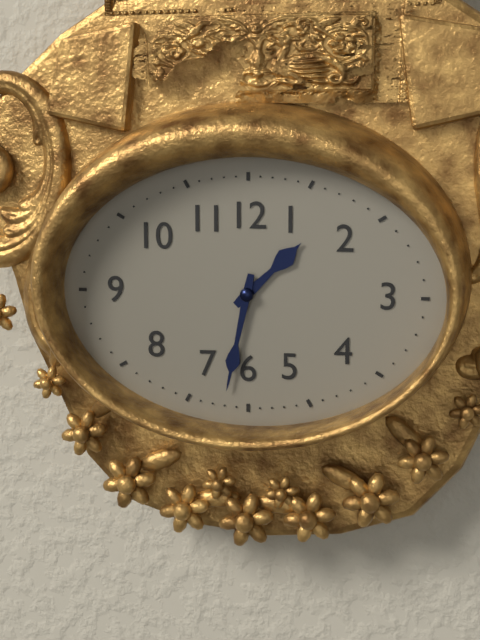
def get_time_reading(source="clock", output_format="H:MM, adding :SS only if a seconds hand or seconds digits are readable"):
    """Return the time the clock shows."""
1:32
